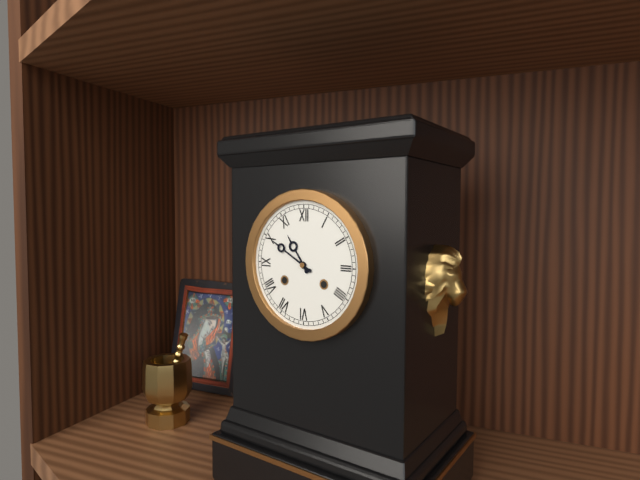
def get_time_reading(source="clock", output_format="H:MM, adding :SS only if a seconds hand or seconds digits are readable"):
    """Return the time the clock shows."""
10:50
